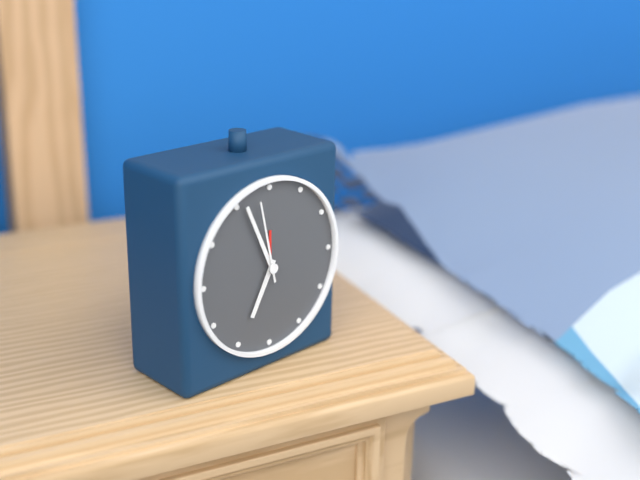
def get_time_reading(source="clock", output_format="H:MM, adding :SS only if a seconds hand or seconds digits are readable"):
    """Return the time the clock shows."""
6:56:58
